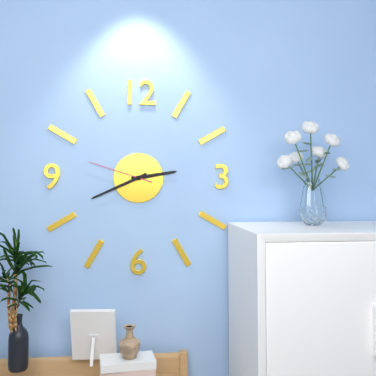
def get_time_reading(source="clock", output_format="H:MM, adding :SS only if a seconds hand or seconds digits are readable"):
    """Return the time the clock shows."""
2:41:48
